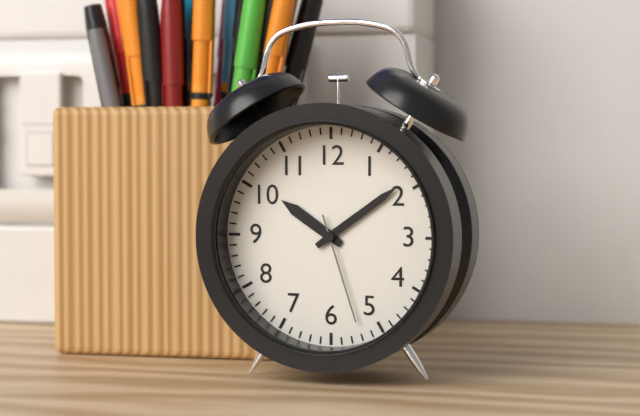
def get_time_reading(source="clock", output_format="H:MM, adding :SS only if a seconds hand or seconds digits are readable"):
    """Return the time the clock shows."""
10:09:27
